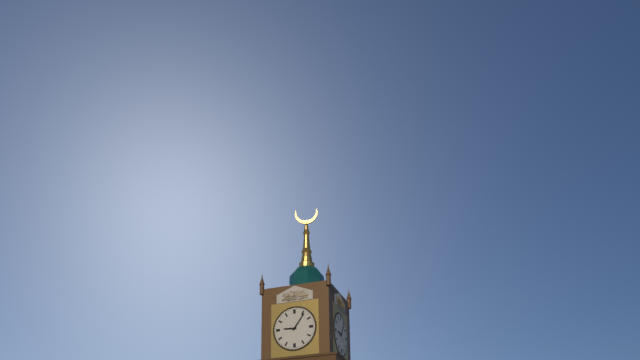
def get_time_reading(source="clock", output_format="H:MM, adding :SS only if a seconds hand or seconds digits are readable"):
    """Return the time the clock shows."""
9:06
